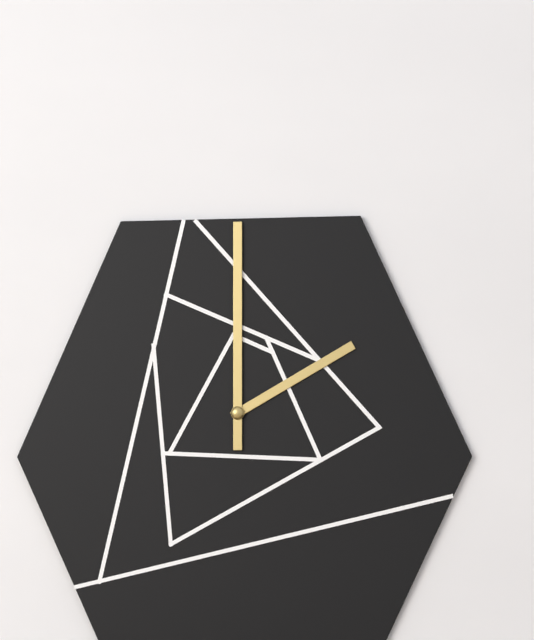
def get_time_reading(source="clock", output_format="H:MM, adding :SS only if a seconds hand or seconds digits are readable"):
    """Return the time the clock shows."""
2:00
